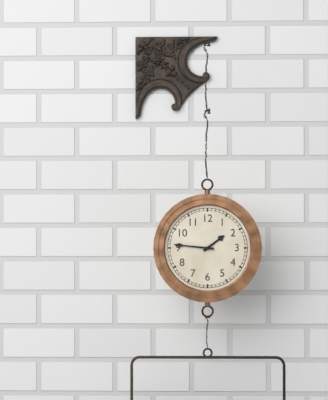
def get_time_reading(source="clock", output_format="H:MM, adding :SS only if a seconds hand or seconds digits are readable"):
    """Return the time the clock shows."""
1:46
